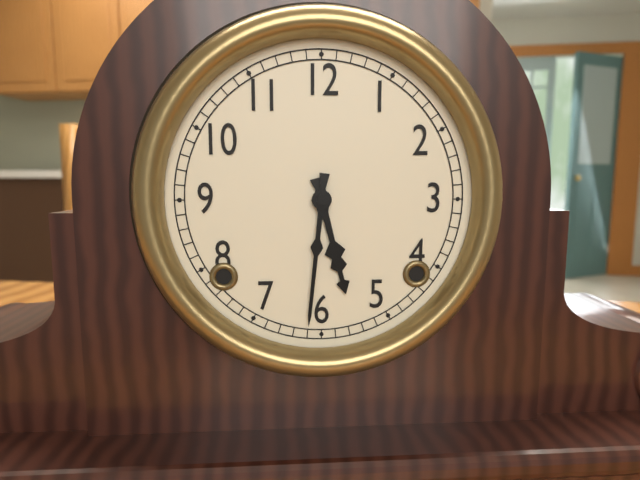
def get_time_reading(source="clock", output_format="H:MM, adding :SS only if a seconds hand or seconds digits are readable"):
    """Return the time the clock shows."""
5:31
